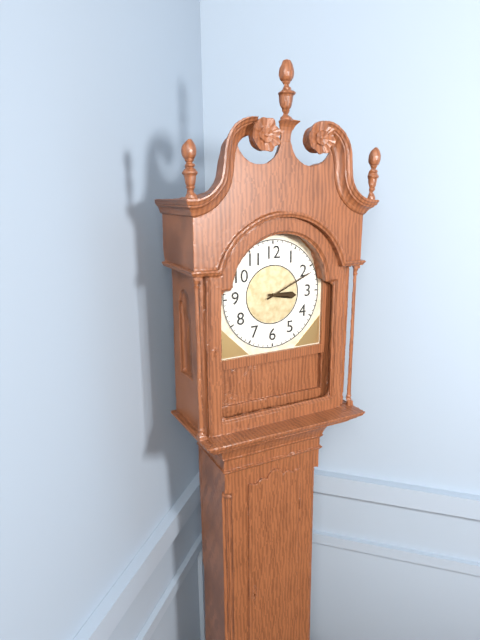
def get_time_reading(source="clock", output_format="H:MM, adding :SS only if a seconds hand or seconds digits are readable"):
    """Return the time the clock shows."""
3:11
